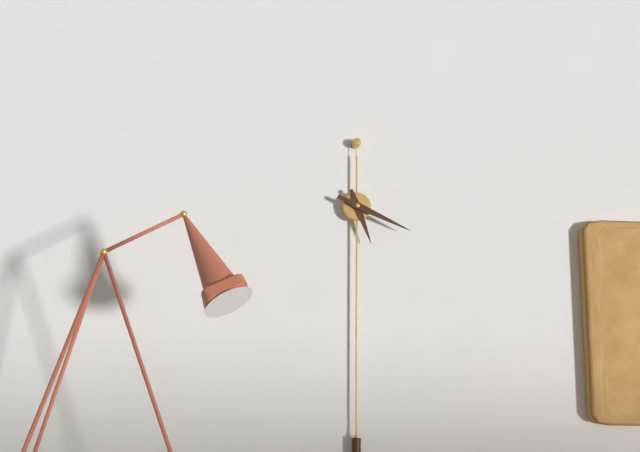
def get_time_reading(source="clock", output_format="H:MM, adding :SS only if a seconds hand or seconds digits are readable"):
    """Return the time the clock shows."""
5:19
